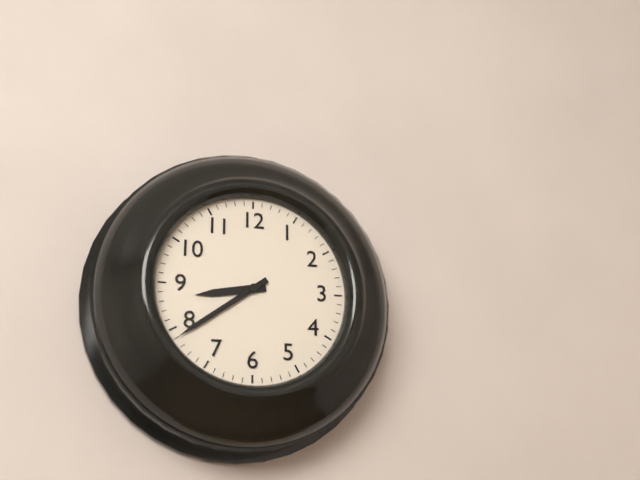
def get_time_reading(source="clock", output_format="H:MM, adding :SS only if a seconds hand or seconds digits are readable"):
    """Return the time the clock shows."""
8:39
